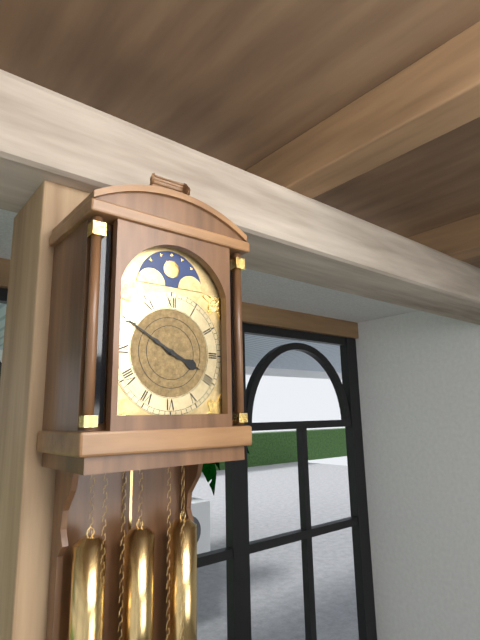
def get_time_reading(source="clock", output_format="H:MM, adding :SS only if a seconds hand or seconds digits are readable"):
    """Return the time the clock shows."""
3:50
